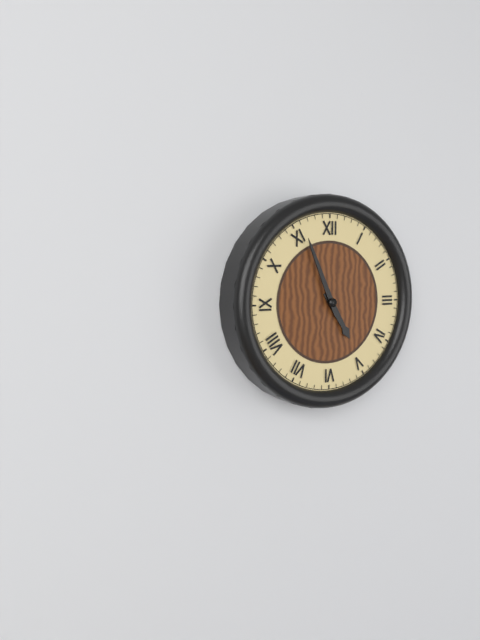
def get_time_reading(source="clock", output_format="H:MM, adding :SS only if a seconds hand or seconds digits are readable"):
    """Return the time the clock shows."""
4:56
